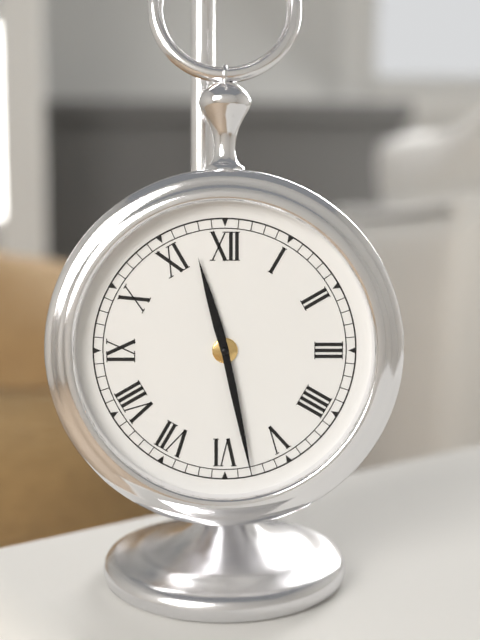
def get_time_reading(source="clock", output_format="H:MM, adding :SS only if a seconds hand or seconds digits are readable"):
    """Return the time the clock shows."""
11:28
